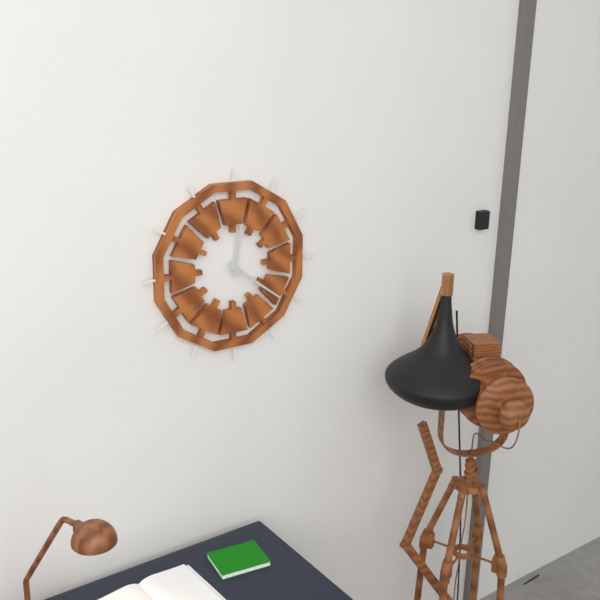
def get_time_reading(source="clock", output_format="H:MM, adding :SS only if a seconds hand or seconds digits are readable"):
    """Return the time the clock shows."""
12:21
